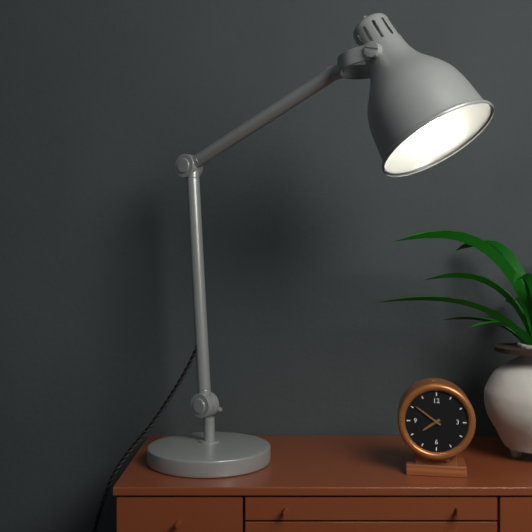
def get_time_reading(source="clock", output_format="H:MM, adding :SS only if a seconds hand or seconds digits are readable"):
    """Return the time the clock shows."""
7:51
